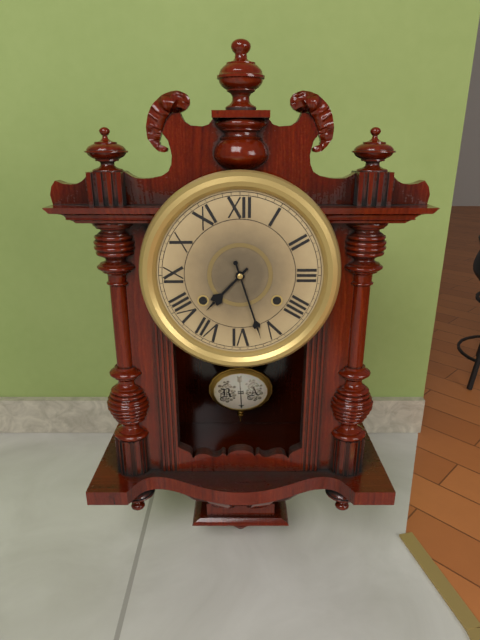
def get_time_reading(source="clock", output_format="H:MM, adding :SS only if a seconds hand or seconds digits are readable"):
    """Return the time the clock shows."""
7:27
